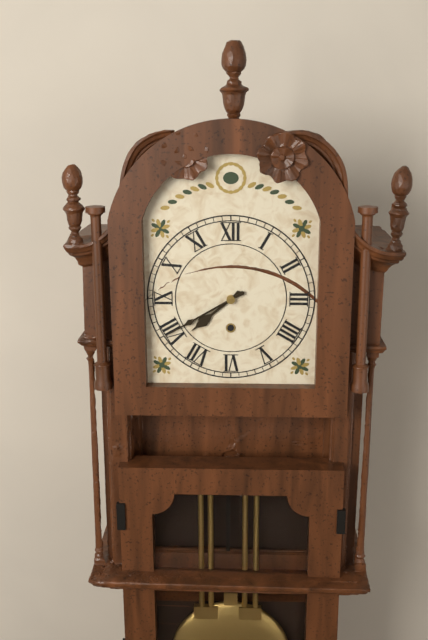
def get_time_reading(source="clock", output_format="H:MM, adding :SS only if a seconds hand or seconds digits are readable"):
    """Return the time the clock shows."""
7:40
